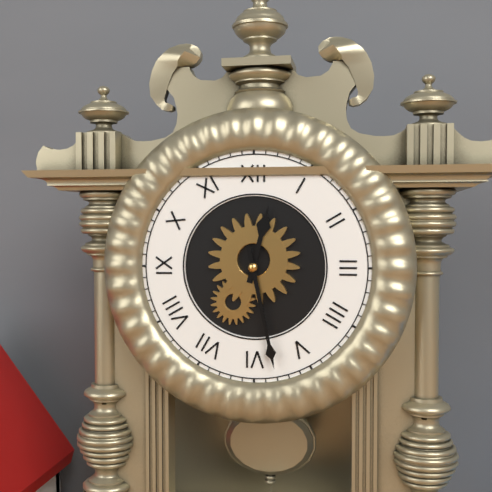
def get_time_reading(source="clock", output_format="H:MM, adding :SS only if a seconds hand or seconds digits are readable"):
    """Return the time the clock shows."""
12:28
